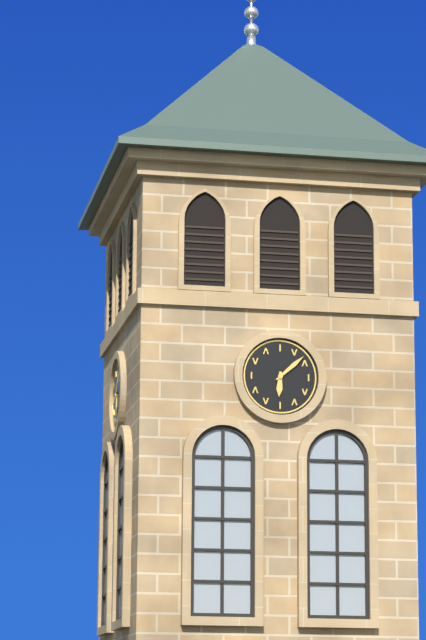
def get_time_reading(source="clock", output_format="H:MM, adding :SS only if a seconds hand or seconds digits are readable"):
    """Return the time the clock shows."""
6:08
